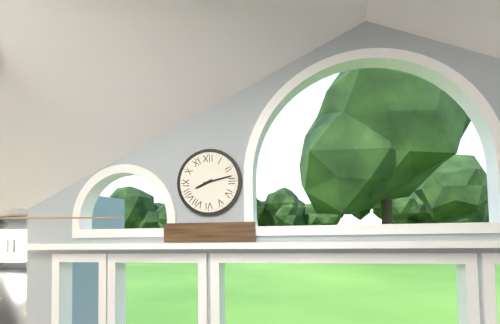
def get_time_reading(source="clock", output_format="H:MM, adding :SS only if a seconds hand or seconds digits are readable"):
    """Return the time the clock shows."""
8:13
